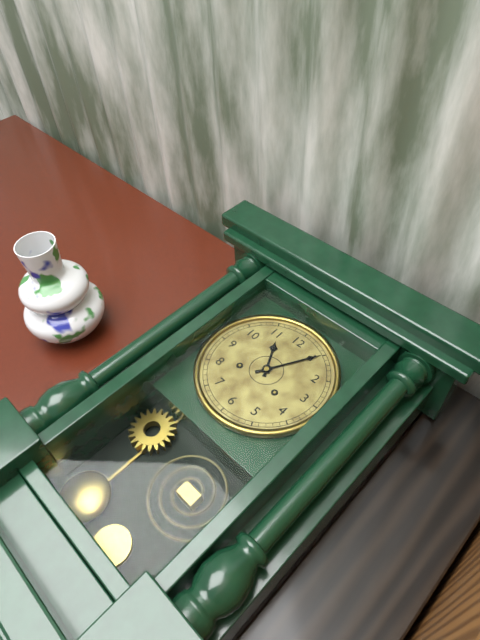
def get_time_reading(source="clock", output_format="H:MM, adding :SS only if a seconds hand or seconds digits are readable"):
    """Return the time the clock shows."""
11:05
